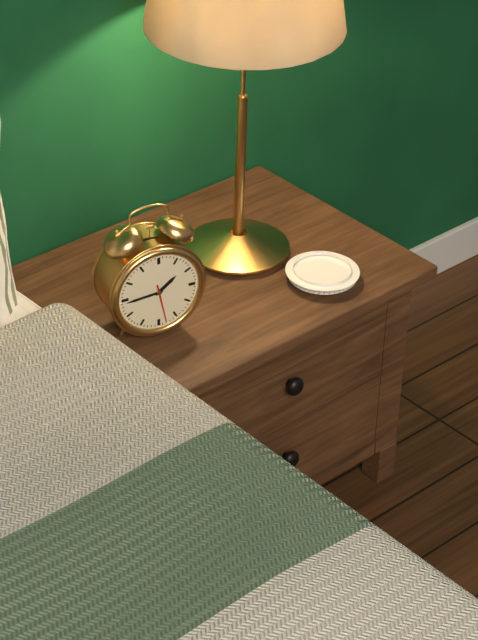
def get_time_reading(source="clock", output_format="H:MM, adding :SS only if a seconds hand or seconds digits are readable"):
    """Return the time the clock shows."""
1:44
